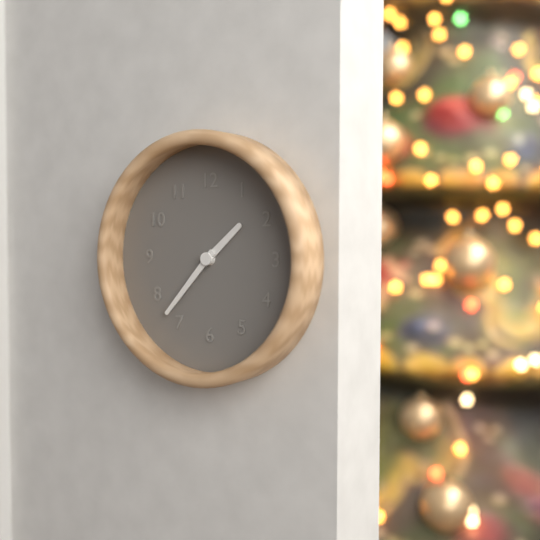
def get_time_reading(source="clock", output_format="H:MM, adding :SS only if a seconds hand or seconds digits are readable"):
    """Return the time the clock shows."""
1:37
